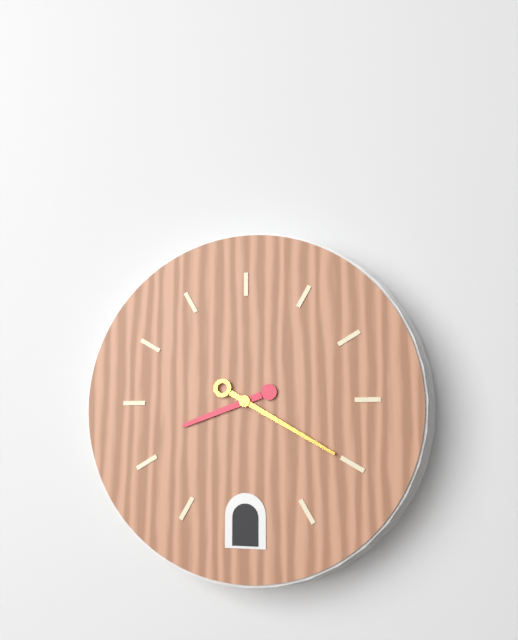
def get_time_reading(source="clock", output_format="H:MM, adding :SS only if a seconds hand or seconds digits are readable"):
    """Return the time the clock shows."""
8:20
